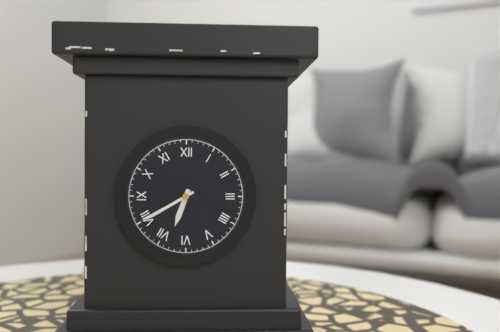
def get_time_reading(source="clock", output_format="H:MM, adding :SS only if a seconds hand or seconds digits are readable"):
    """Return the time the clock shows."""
6:40
